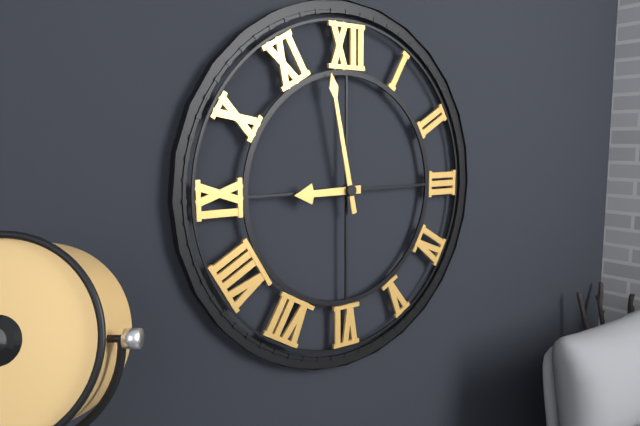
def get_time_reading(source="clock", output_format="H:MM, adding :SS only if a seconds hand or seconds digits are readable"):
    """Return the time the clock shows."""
8:58
